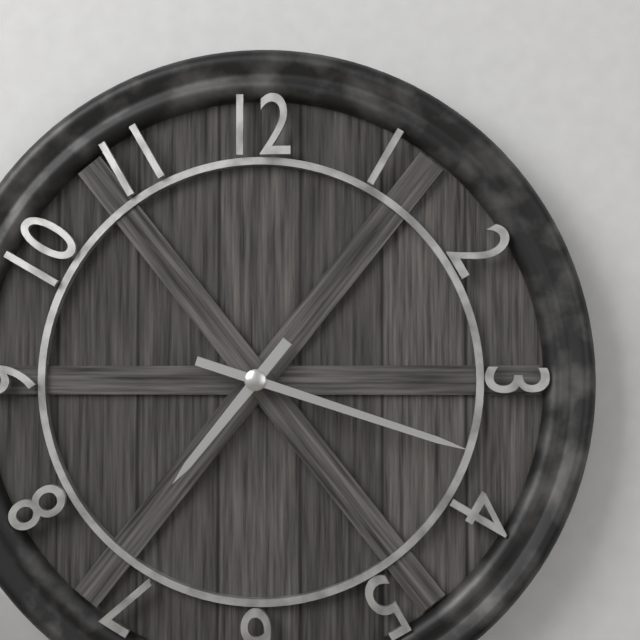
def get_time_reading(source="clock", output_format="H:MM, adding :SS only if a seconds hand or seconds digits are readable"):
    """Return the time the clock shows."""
7:18
